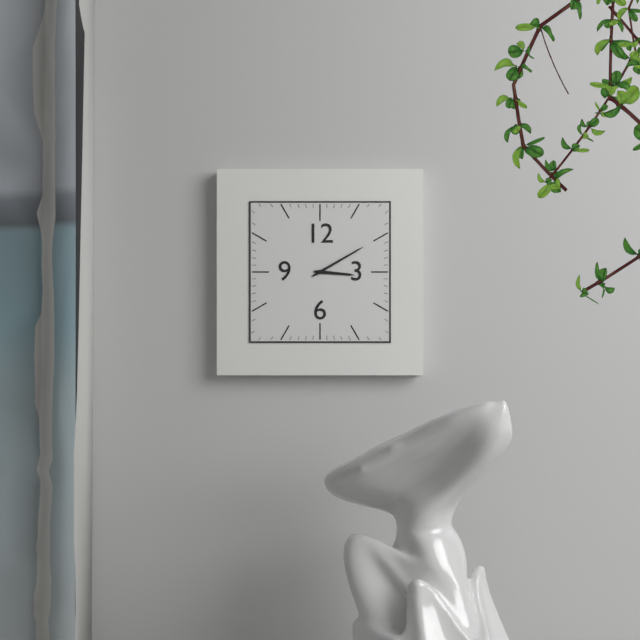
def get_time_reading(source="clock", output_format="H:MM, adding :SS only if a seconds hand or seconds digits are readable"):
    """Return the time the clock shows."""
3:10
